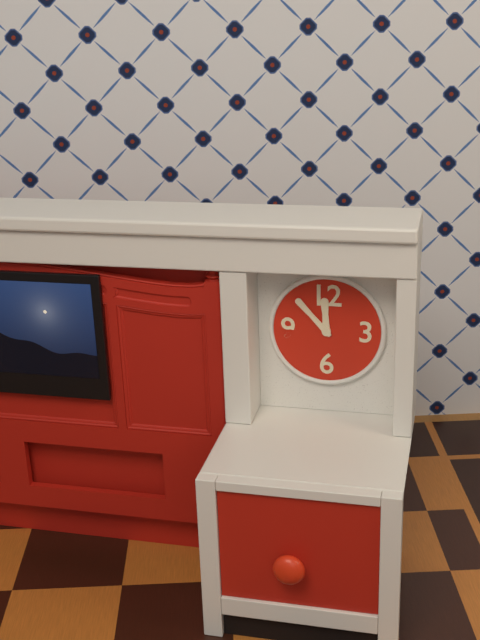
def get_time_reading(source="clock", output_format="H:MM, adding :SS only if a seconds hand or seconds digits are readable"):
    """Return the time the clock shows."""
11:53
